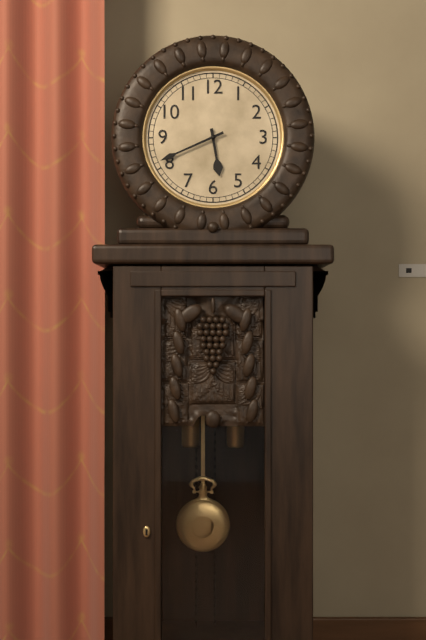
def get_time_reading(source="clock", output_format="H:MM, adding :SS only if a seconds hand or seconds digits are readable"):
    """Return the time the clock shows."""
5:41
